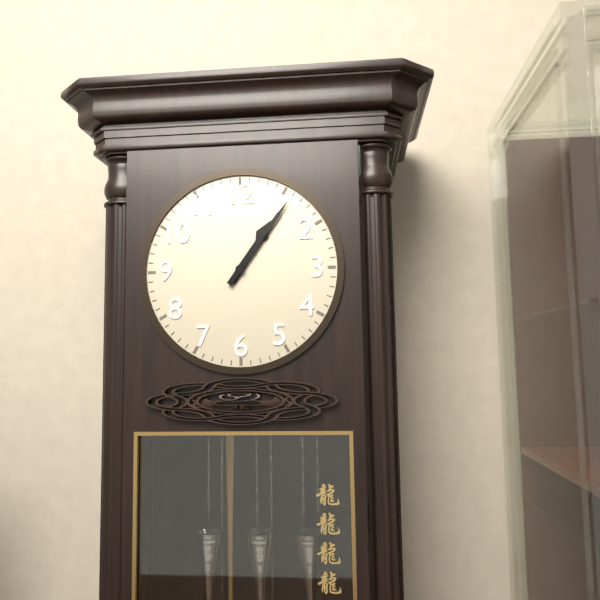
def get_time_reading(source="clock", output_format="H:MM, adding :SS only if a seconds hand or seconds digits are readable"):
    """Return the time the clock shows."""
1:06
